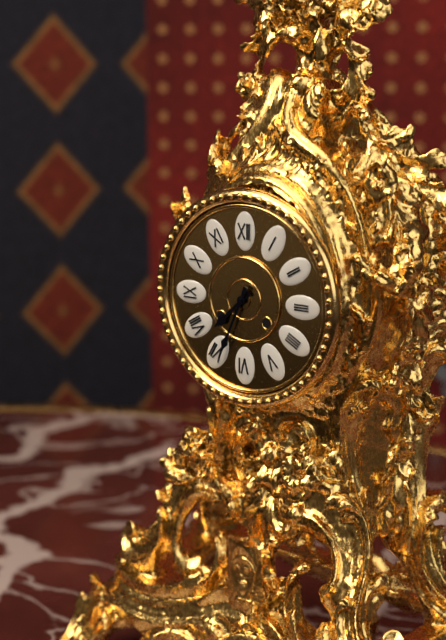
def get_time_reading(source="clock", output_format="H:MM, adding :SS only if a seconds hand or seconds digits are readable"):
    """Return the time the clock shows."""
7:34
